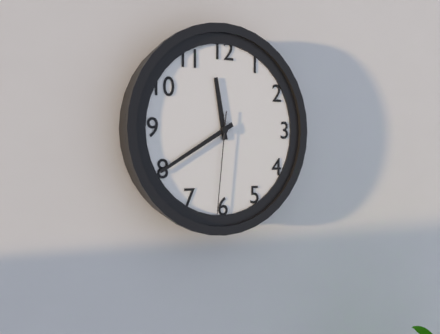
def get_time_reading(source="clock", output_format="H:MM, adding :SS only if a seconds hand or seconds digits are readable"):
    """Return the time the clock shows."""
11:40:31
